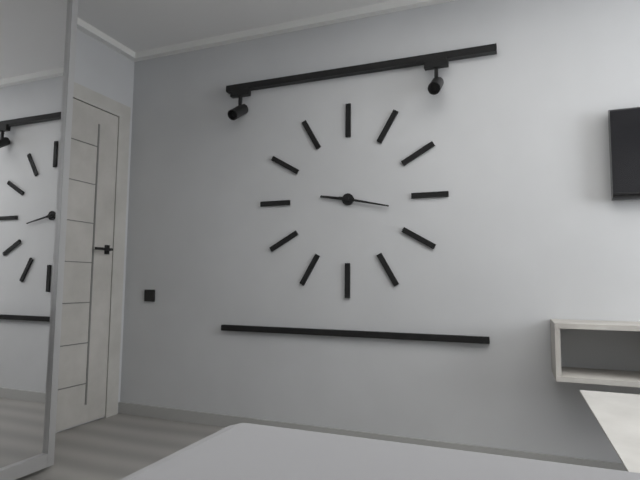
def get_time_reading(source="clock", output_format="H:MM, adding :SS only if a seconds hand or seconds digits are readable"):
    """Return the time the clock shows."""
9:17
